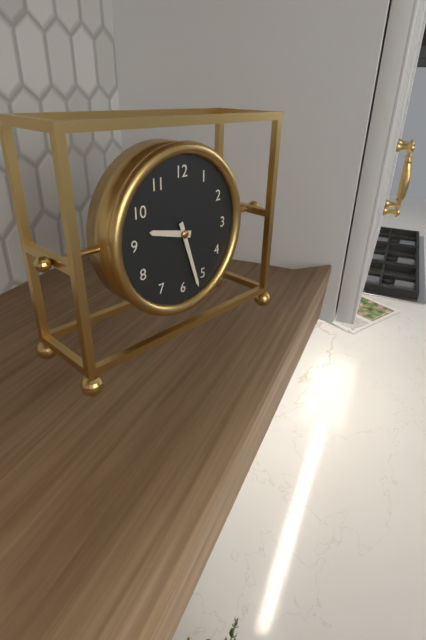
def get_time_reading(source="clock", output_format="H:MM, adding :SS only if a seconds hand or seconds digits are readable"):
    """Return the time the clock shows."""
9:27
